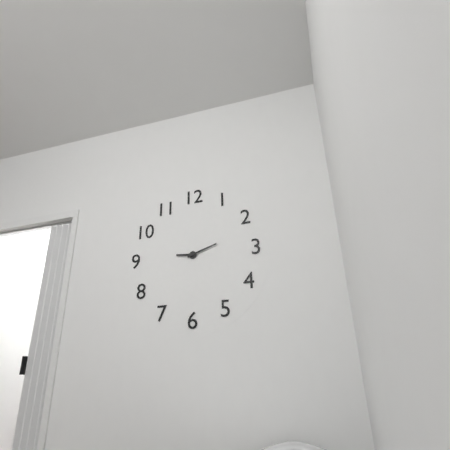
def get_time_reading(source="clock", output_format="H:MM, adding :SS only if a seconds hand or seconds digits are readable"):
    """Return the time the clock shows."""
9:12
